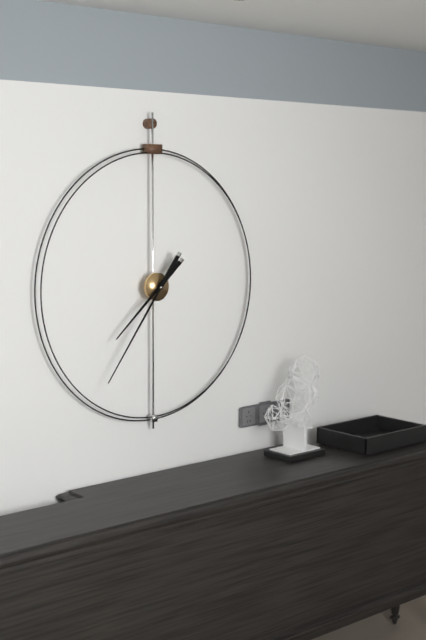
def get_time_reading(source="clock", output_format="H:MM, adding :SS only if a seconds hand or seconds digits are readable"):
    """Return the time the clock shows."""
7:36
